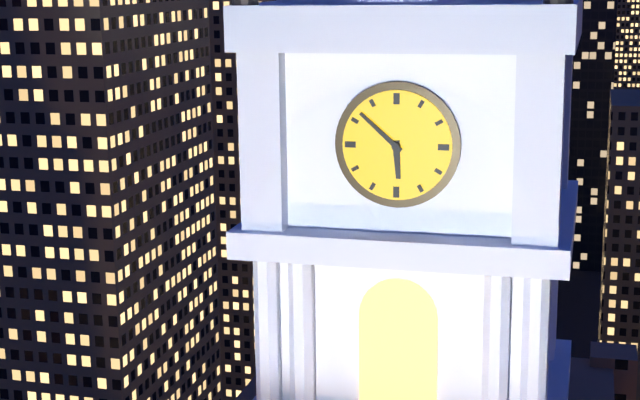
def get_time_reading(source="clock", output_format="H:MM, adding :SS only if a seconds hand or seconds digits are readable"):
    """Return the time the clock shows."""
5:52
